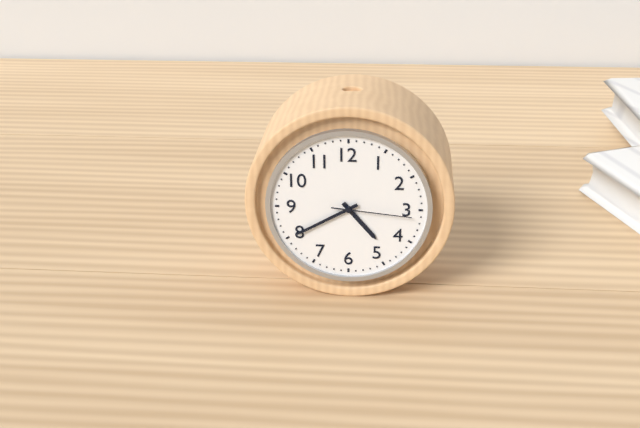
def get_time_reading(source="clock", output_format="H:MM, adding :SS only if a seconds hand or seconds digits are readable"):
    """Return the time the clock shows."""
4:40:16
